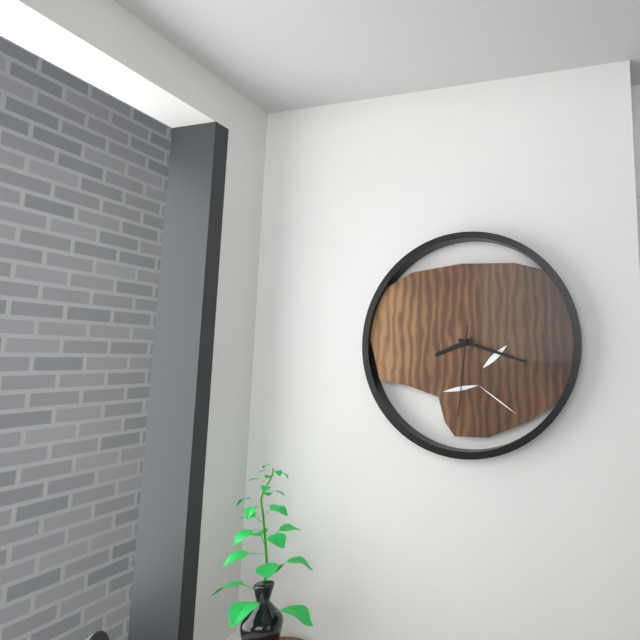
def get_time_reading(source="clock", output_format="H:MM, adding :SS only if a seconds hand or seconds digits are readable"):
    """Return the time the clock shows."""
8:18:31
